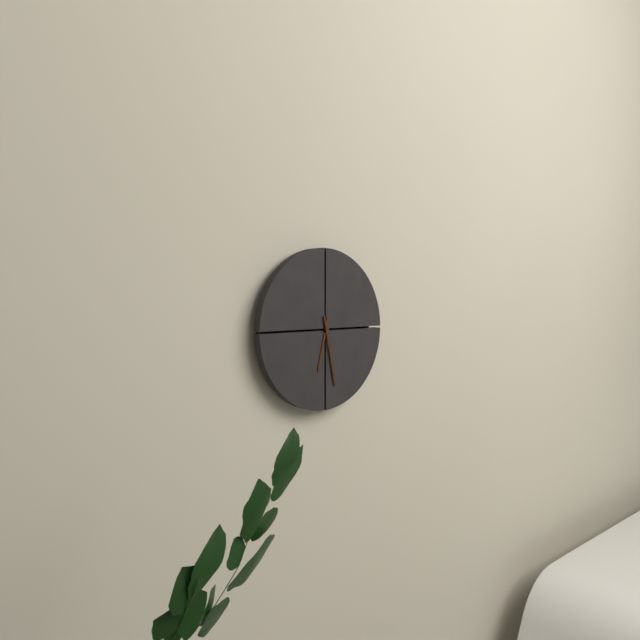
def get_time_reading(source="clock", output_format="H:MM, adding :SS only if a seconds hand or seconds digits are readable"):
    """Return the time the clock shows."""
6:28
